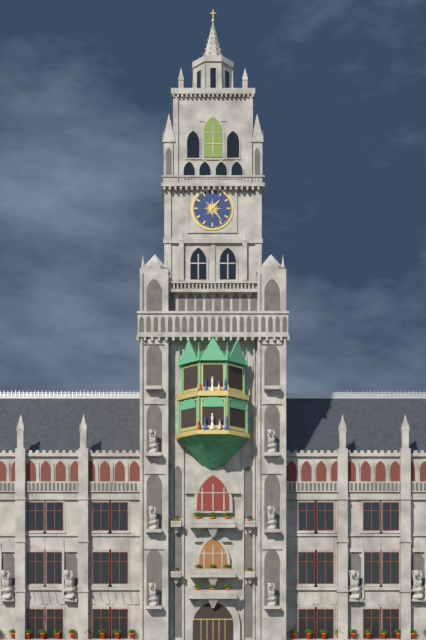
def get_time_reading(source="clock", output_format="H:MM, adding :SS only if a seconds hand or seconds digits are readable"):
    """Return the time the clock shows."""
1:24
